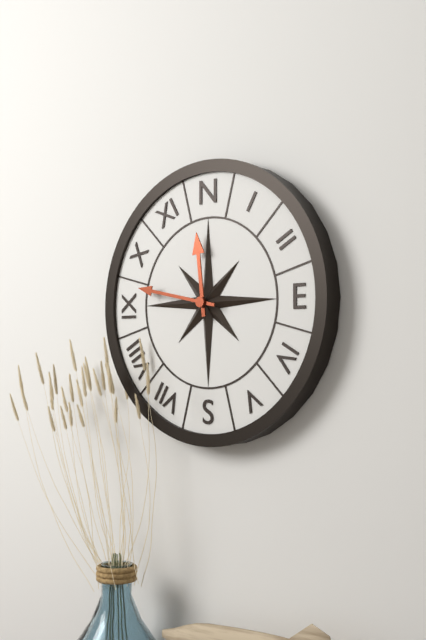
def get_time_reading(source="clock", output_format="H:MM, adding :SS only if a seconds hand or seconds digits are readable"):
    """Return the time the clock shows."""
11:47
